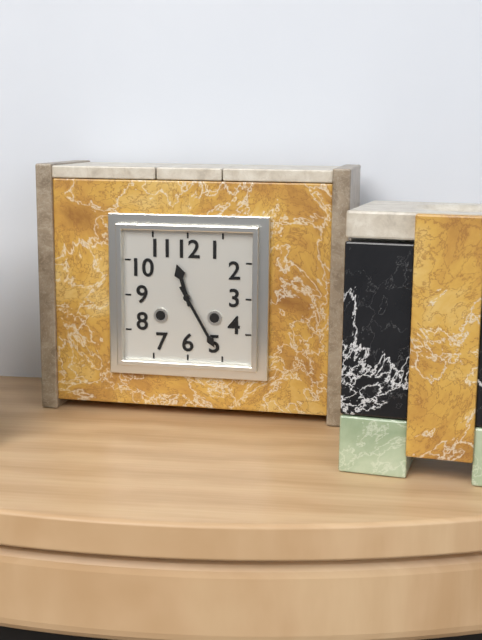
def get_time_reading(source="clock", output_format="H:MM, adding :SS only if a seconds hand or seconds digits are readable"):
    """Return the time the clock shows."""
11:25
